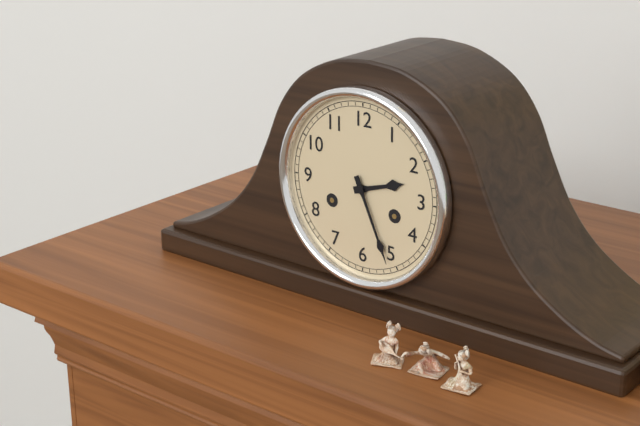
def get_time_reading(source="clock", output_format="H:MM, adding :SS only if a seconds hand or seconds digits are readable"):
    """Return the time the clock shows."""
2:26
